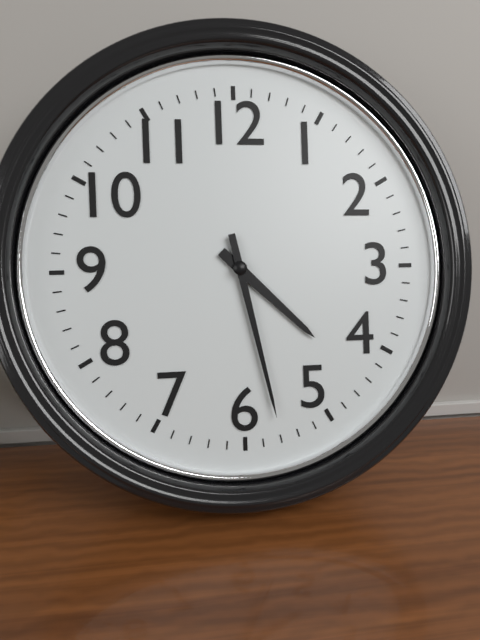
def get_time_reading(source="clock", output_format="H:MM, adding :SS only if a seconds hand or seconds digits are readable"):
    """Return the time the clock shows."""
4:28
